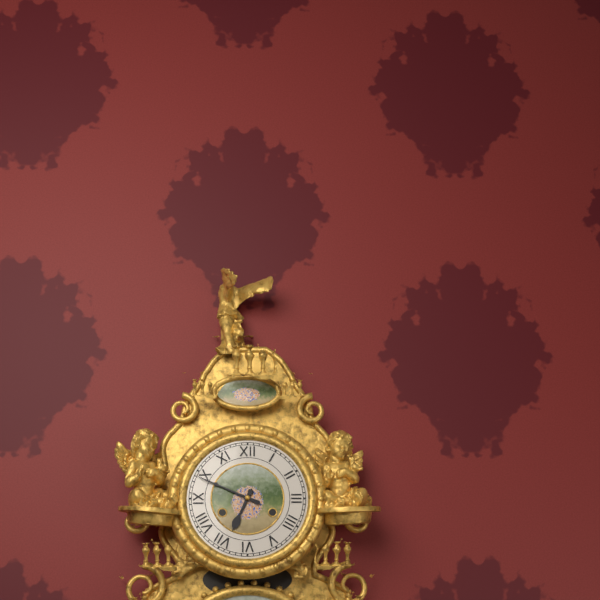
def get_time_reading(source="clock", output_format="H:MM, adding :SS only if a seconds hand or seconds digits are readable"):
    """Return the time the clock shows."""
6:49
